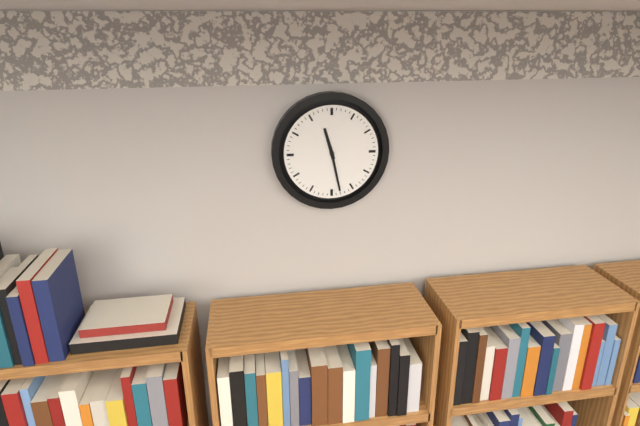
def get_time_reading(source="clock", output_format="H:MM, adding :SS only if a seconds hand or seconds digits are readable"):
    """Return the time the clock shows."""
11:28
